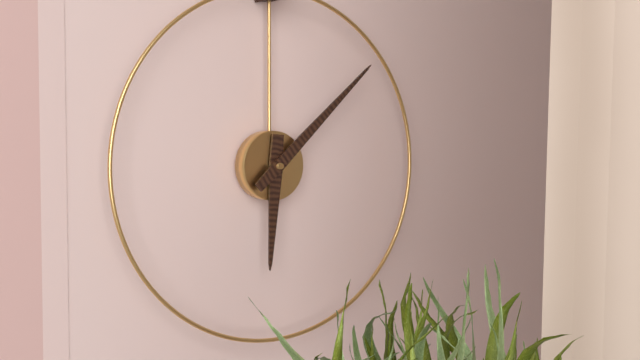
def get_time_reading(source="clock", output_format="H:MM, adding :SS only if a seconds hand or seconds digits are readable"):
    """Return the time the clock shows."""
6:08
